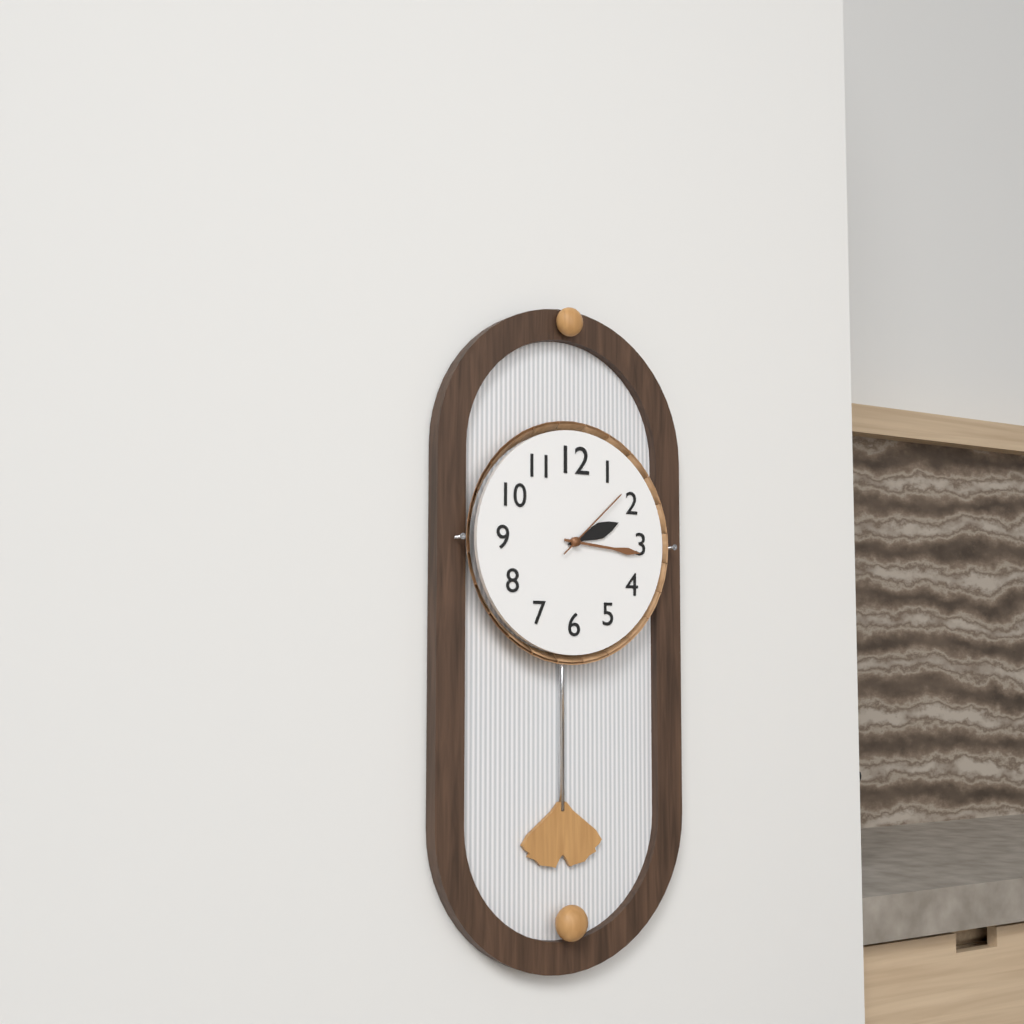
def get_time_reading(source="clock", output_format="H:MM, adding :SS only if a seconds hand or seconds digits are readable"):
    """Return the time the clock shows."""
2:16:08
